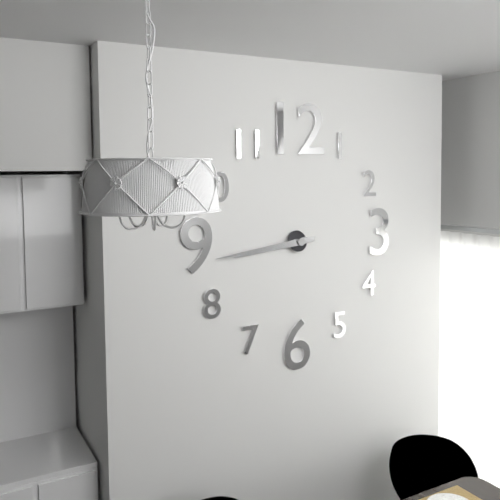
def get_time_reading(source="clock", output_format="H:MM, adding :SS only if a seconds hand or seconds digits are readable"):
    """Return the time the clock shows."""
8:44
